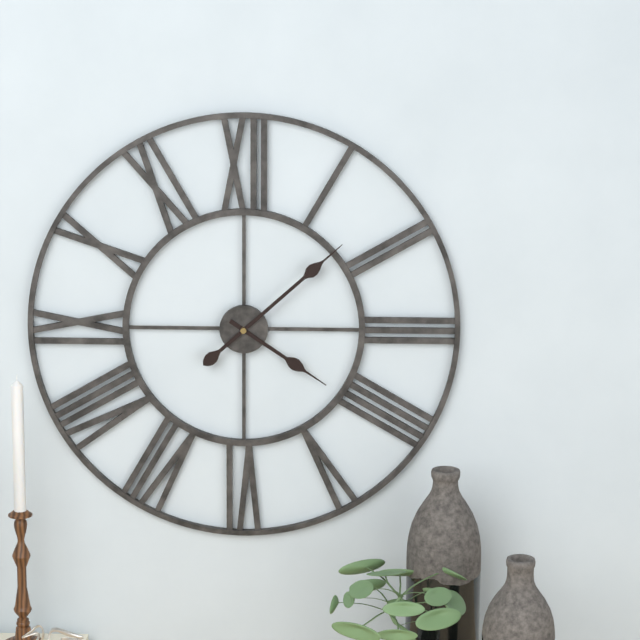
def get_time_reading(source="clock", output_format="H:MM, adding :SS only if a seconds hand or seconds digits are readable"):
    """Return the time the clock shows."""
4:08
